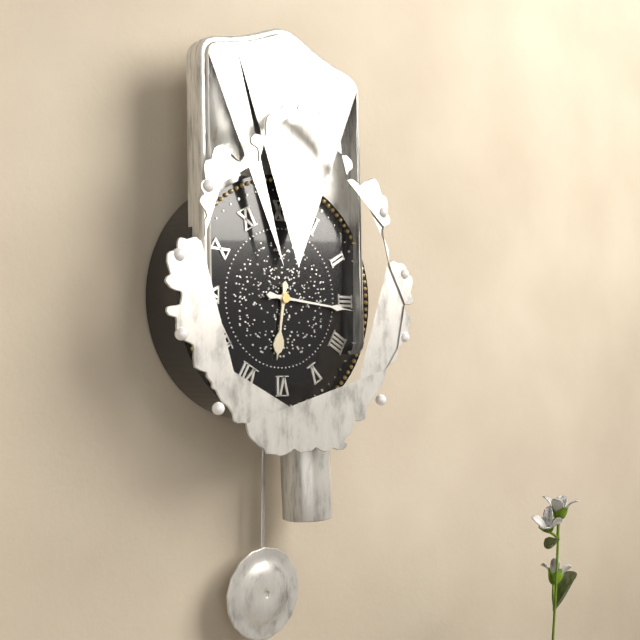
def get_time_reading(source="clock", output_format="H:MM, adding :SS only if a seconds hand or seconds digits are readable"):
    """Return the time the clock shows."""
6:16
